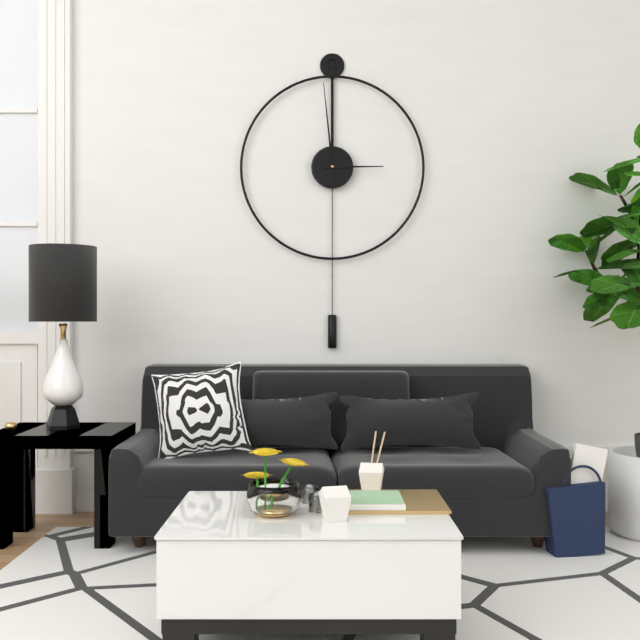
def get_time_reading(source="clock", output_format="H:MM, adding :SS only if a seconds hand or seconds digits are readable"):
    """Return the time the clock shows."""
2:59
